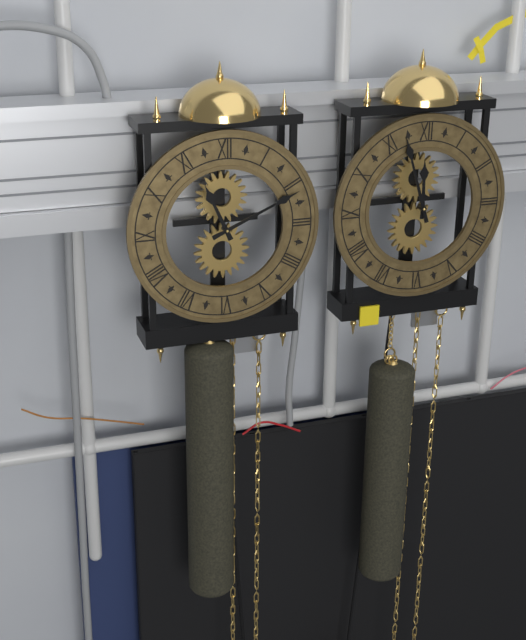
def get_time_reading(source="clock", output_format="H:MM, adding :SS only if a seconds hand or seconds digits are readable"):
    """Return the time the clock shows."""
11:11
